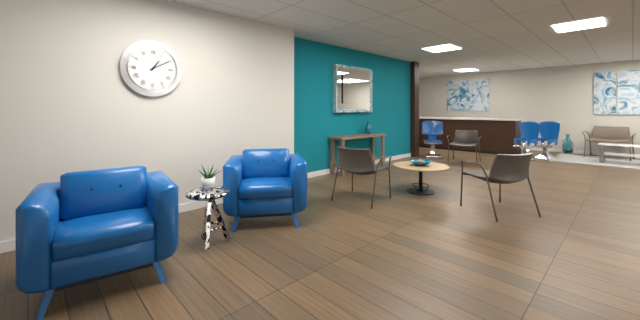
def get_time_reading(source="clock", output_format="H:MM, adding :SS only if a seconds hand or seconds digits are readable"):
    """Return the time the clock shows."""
1:10
